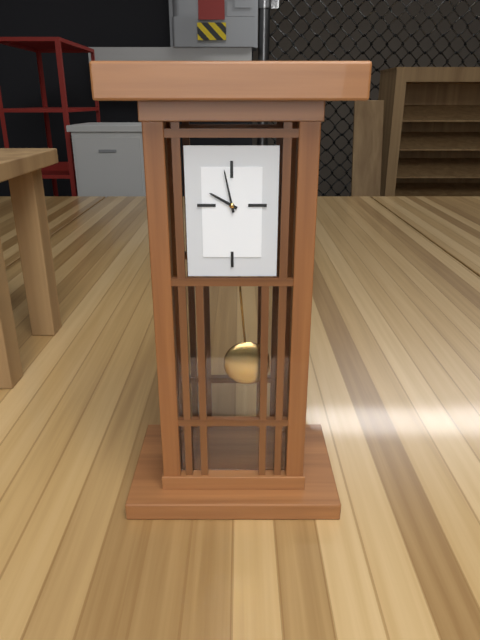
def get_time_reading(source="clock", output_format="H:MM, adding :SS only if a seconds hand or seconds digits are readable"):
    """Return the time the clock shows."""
9:58
